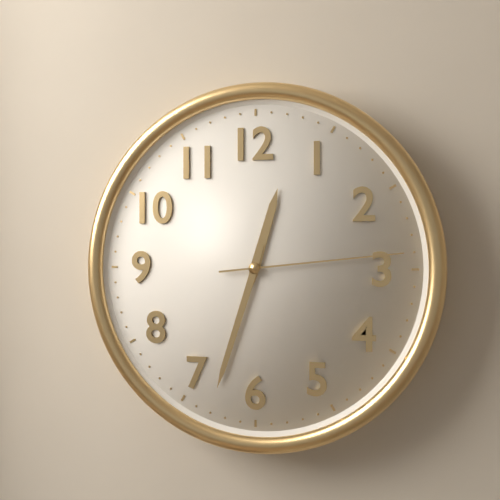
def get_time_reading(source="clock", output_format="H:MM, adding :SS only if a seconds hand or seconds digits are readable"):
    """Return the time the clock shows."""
12:33:14
